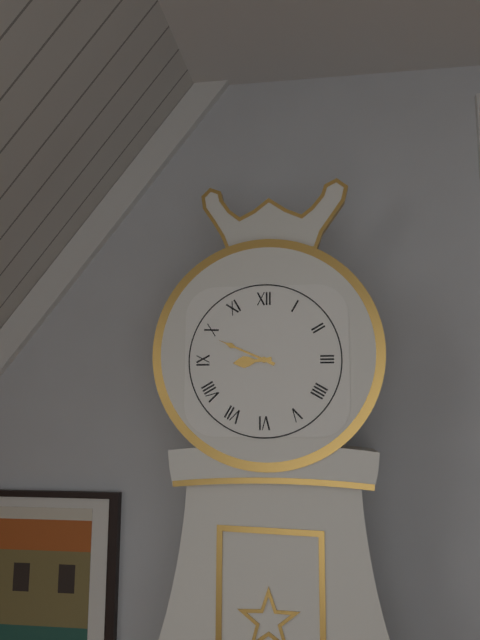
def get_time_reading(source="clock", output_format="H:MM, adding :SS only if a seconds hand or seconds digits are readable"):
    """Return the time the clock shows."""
8:49
